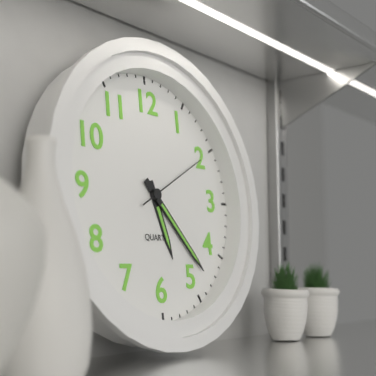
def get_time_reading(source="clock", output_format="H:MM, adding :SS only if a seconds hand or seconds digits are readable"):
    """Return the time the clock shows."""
5:23:10
